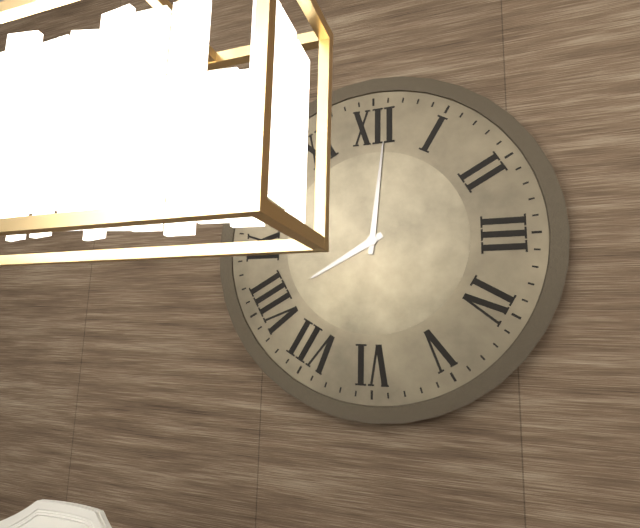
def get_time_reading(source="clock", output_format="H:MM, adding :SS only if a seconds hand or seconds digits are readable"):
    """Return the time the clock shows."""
8:01
